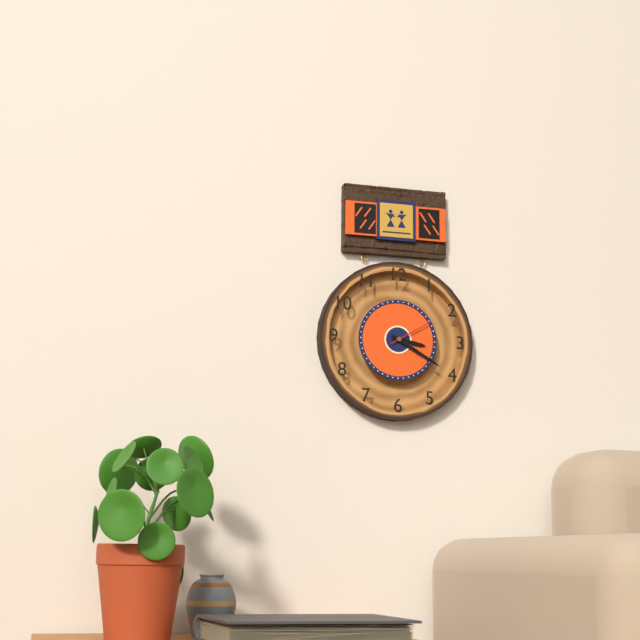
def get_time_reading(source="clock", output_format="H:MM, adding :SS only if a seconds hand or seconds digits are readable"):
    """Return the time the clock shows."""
3:20
